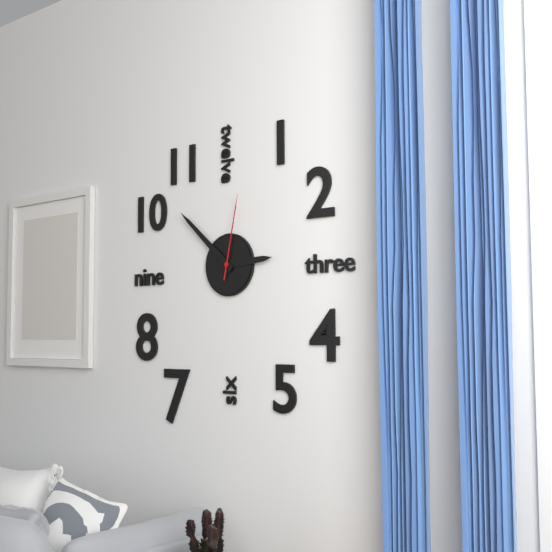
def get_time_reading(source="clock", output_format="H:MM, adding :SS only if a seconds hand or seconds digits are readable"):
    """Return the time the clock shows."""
2:52:02
